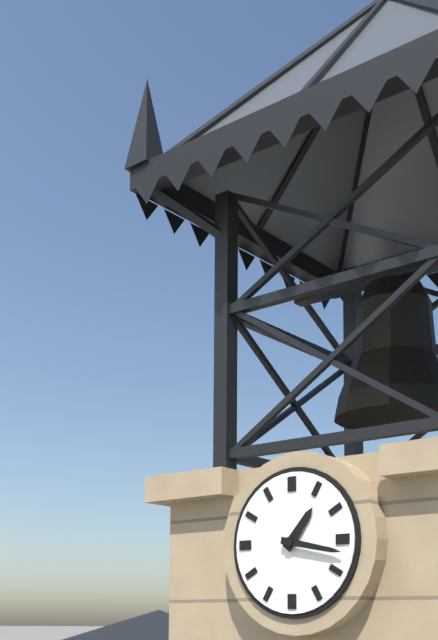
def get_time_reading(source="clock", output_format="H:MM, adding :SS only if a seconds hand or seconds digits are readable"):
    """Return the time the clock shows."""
1:17
